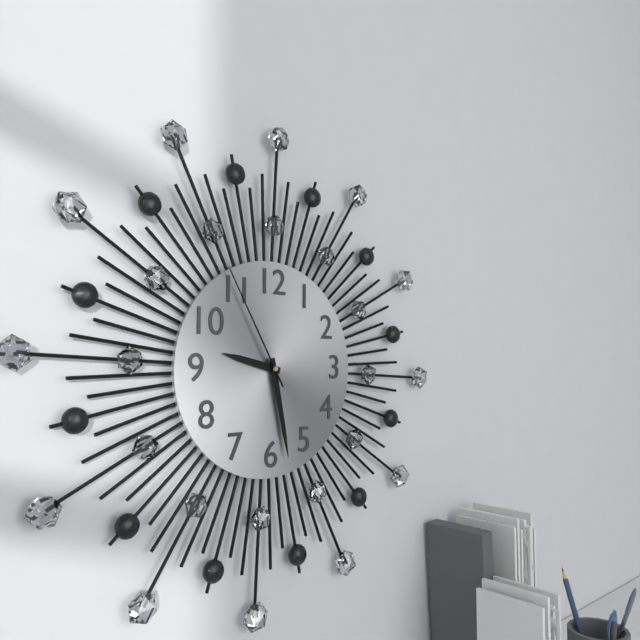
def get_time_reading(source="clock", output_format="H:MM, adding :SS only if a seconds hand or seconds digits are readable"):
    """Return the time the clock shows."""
9:28:55
